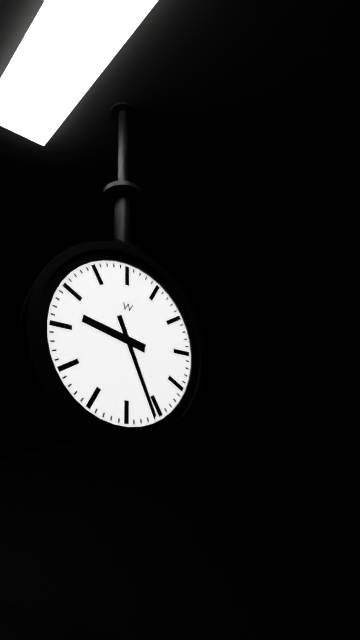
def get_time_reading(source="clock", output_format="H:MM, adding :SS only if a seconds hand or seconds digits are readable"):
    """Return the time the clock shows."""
9:26
